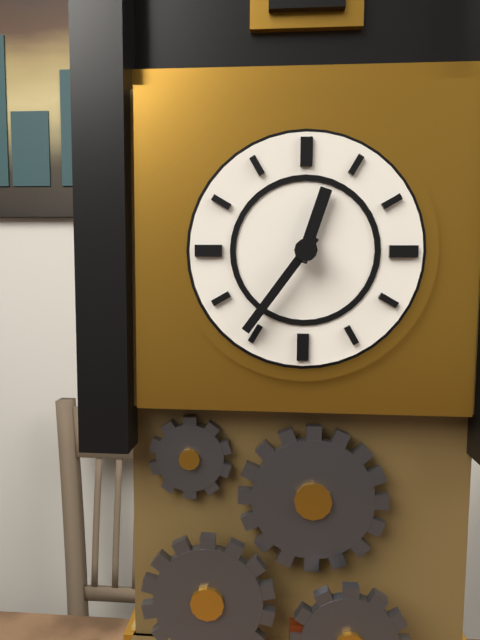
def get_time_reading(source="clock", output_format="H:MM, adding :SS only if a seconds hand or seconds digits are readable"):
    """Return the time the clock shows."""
12:36
